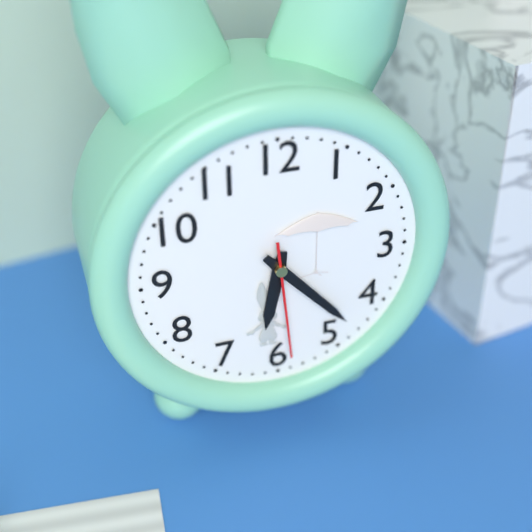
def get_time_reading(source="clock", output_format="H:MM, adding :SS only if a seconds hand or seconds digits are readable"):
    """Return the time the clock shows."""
6:23:29
